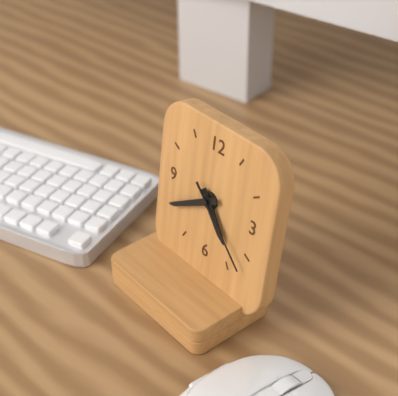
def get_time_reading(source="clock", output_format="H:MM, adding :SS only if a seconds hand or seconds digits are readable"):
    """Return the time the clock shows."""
4:40:22
